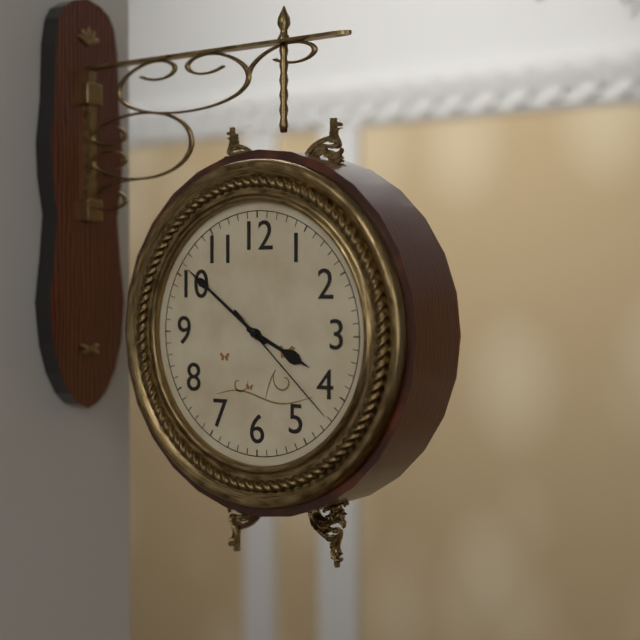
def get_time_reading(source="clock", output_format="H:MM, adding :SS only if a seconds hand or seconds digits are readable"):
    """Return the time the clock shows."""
3:51:22
